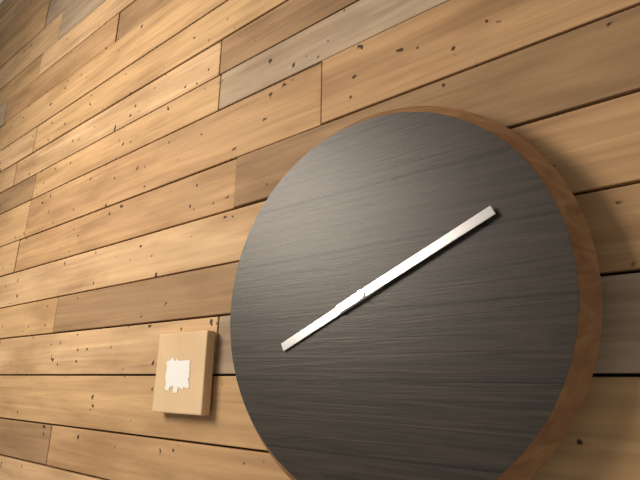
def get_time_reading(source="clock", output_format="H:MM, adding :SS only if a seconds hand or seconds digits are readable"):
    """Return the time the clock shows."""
8:11
